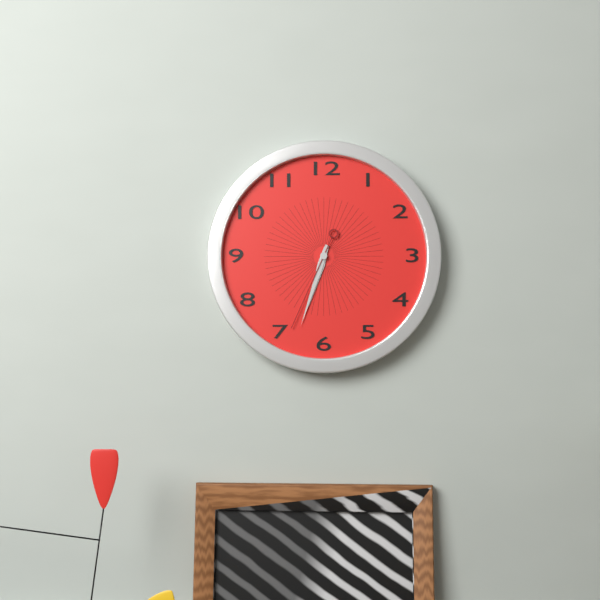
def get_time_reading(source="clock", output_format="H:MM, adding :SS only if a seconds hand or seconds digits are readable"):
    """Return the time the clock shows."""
6:33:34
